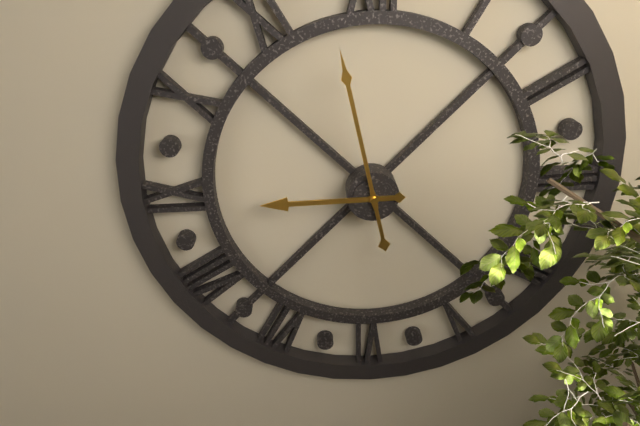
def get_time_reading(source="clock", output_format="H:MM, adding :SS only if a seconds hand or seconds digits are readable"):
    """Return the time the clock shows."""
8:58
